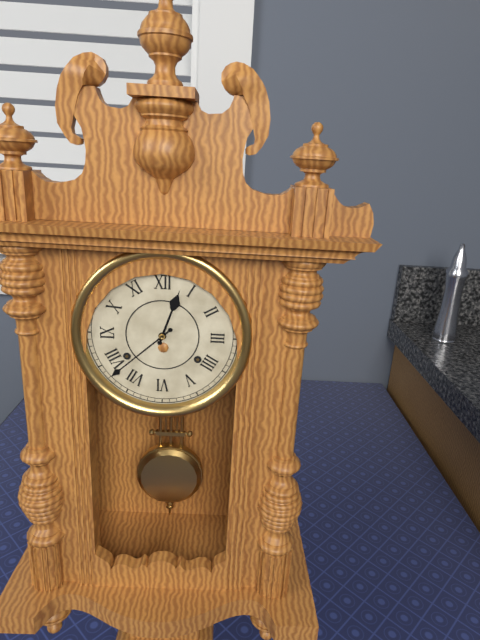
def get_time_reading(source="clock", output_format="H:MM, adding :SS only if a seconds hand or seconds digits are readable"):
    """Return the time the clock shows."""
12:38
